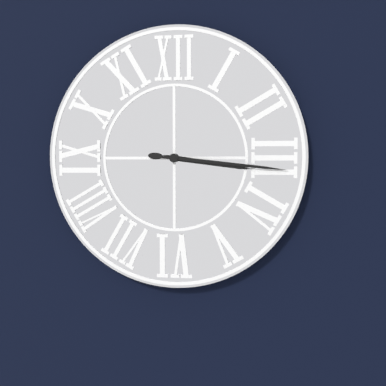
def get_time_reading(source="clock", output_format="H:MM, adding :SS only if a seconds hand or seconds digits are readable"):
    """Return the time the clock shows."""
3:16
